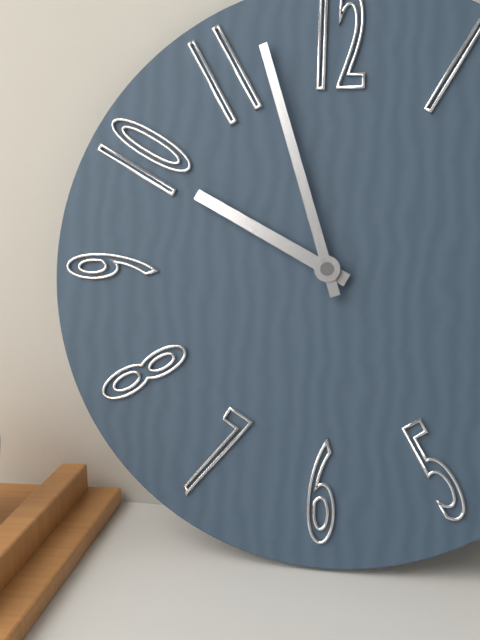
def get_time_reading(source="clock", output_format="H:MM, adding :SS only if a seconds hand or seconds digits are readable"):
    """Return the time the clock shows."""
9:57
